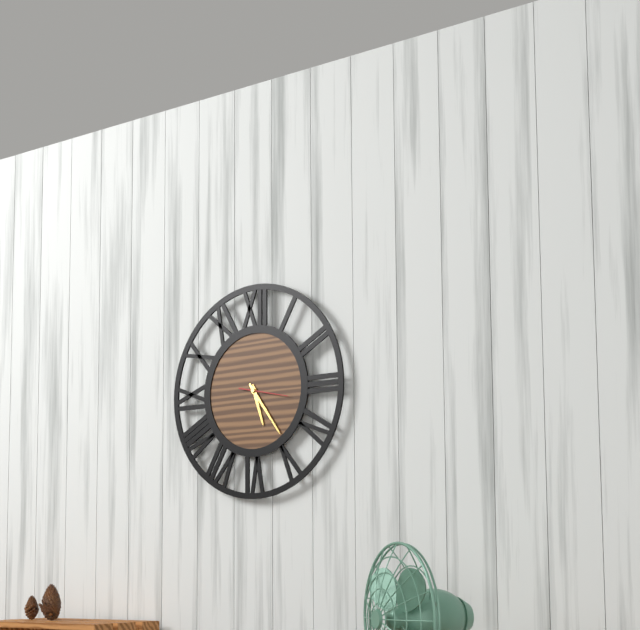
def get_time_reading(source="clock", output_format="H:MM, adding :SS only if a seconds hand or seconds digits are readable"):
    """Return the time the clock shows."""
5:24
